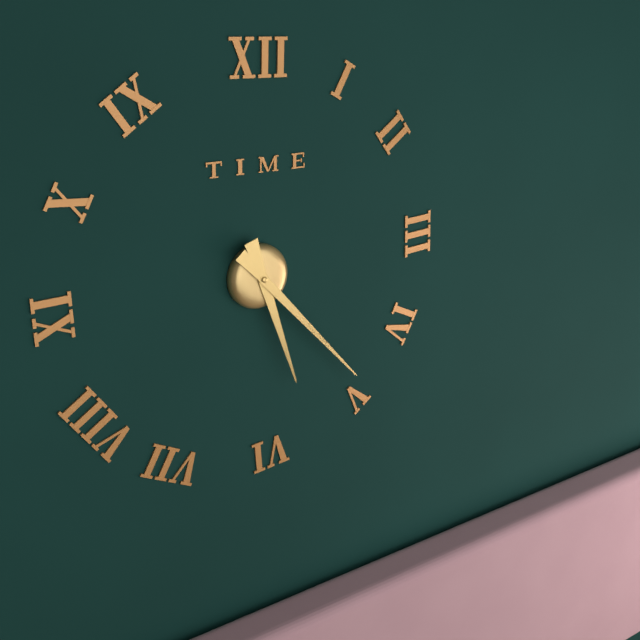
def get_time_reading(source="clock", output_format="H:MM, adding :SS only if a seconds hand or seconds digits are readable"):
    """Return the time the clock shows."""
5:23
